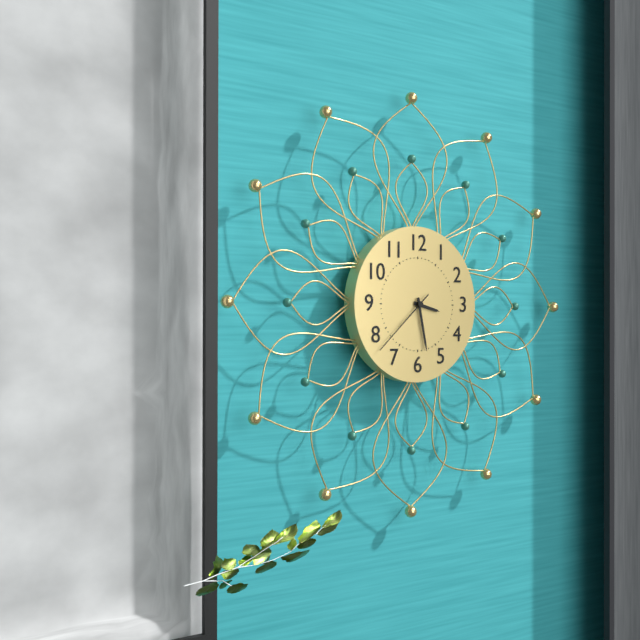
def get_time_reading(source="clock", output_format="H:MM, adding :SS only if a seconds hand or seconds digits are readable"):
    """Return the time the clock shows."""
3:28:38
